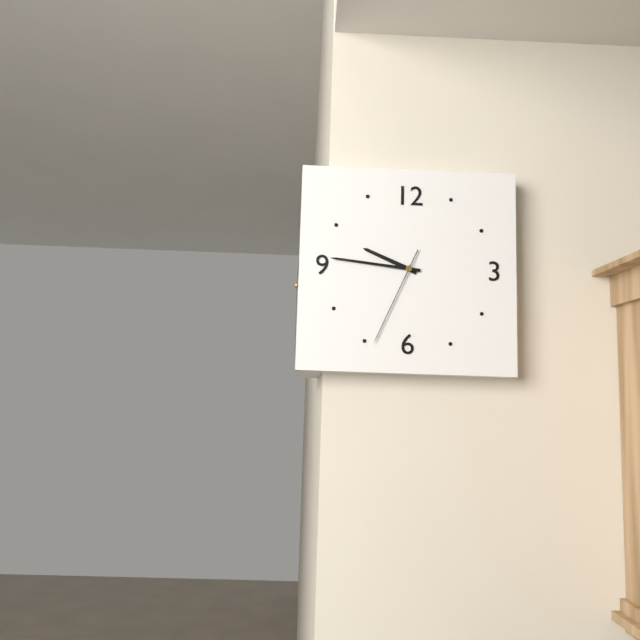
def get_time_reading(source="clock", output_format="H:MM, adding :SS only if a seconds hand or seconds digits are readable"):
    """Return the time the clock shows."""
9:46:34
